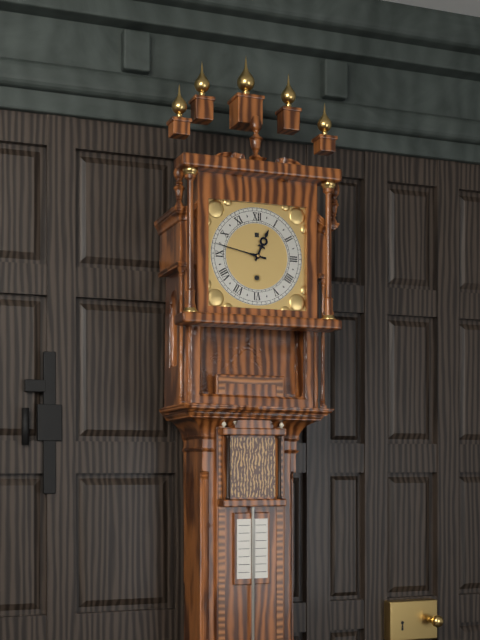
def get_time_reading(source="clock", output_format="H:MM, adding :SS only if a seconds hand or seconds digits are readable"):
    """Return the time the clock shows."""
12:47
